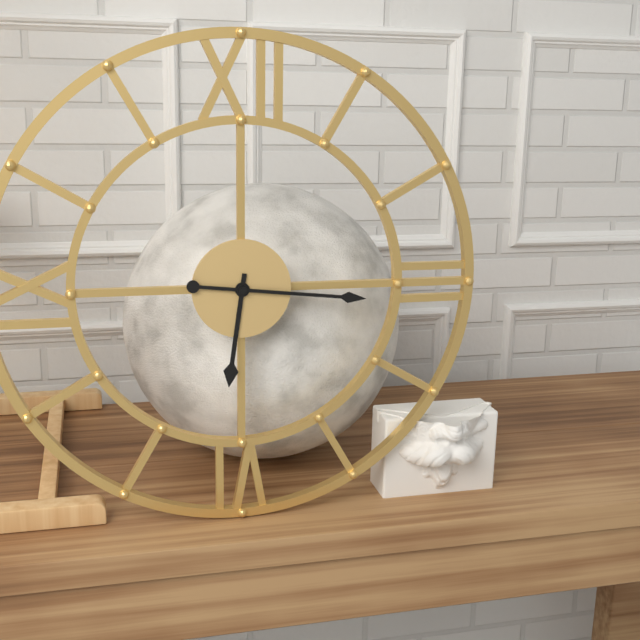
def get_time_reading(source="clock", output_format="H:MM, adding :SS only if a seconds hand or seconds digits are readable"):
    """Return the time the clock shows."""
6:16
